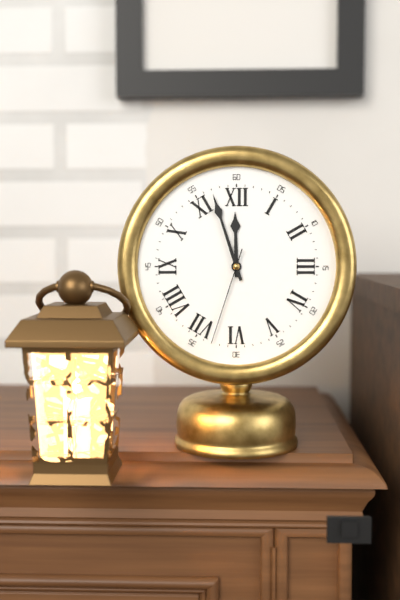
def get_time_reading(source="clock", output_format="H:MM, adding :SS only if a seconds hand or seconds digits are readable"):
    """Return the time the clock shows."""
11:57:33
